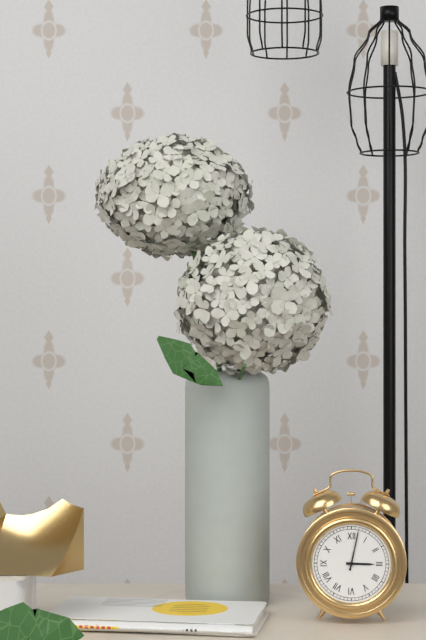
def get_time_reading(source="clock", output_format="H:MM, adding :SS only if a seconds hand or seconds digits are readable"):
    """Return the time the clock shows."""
3:02
